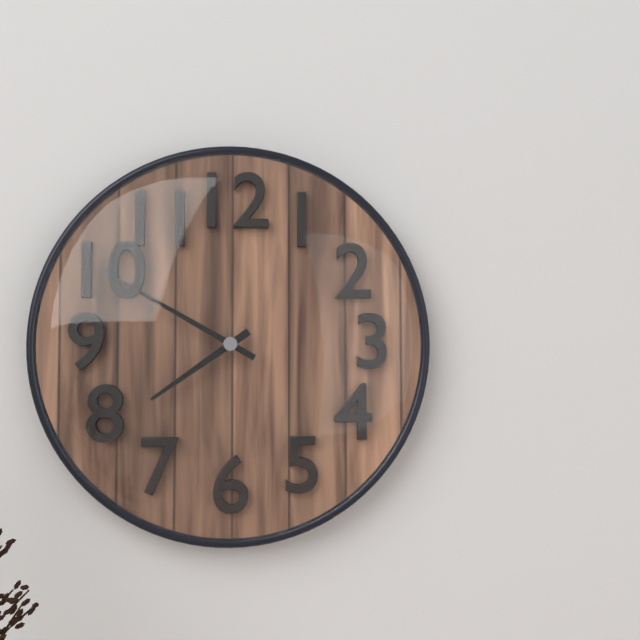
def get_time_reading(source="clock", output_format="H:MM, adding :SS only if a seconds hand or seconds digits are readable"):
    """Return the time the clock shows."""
7:50
